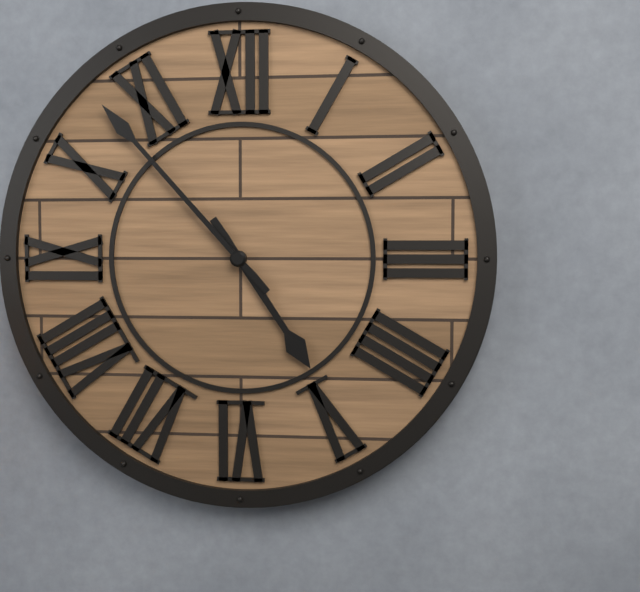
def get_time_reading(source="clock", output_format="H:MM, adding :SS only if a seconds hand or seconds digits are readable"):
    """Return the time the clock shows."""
4:53
